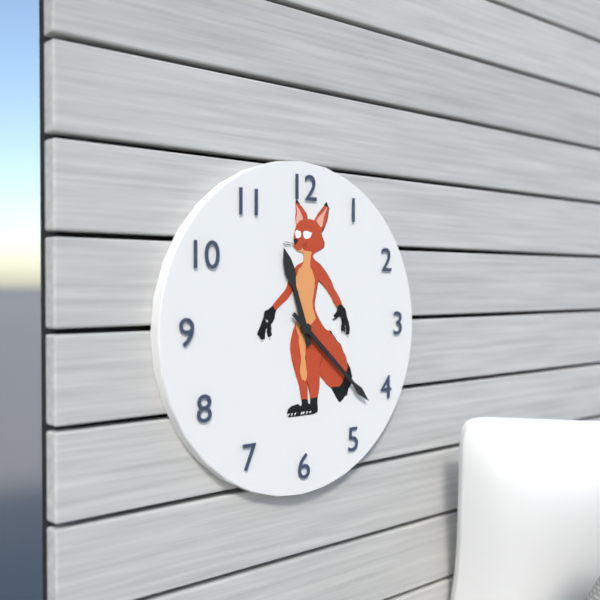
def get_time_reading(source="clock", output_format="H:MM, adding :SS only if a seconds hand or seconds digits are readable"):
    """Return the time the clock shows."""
11:22
